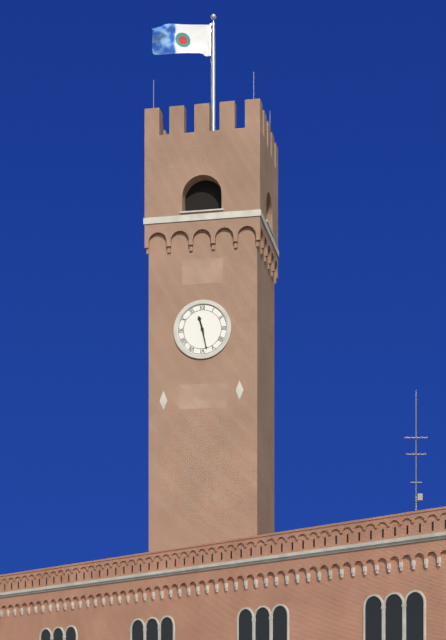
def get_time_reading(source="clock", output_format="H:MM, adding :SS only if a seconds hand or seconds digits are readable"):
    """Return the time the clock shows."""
11:28
